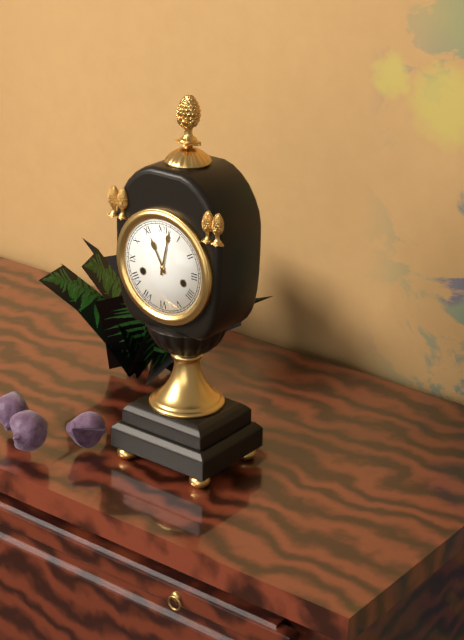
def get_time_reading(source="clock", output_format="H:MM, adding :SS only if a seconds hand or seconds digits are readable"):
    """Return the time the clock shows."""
11:02
